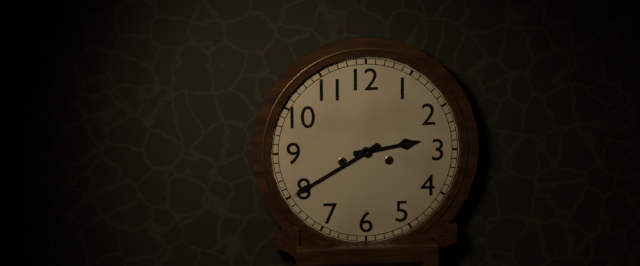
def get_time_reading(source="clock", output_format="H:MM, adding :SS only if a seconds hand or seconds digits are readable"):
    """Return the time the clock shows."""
2:40
